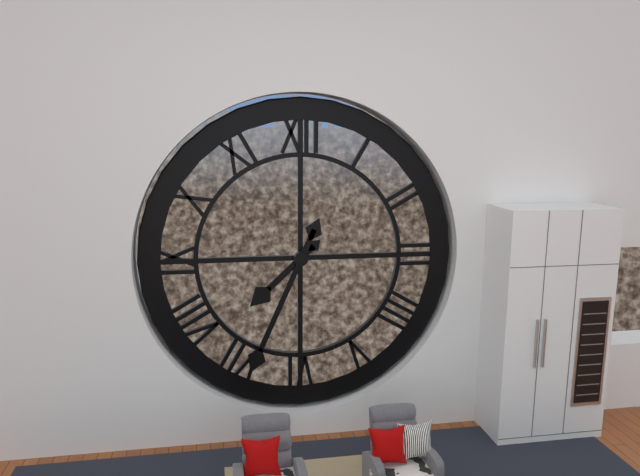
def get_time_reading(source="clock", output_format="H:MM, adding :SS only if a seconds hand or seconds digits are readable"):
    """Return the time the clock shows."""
7:34
